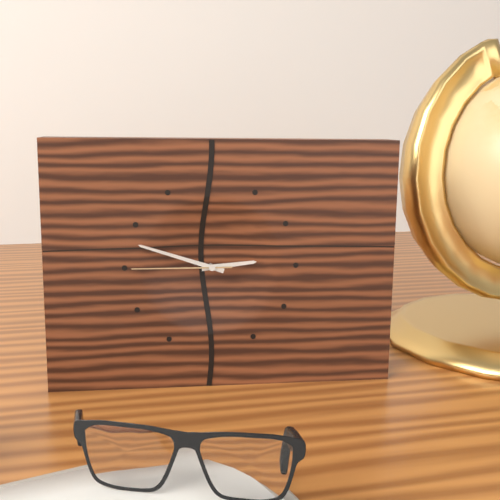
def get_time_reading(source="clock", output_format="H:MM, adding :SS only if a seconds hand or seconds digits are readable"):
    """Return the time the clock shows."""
2:48:45
